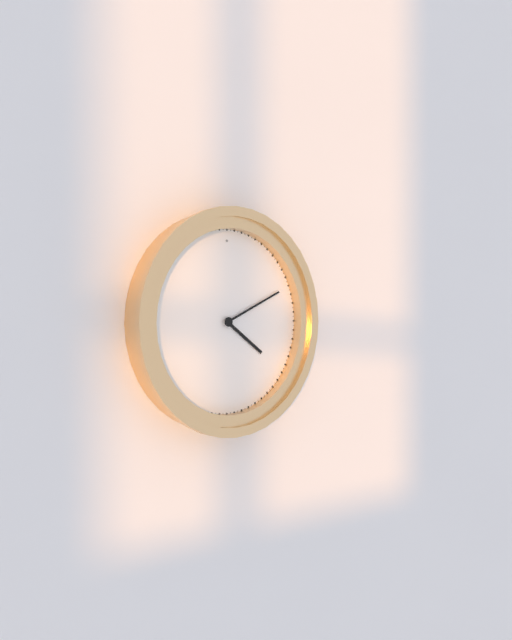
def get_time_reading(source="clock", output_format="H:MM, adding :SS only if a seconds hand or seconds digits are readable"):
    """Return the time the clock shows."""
4:11
